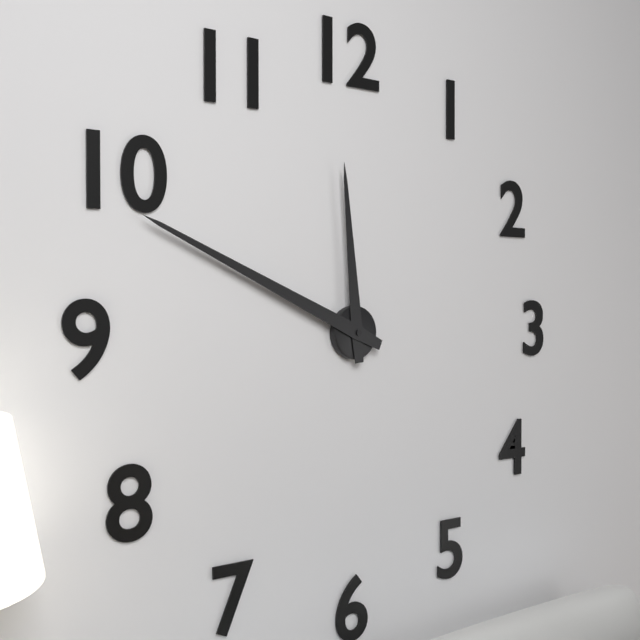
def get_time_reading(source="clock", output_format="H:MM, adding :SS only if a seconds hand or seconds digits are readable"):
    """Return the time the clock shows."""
11:49
